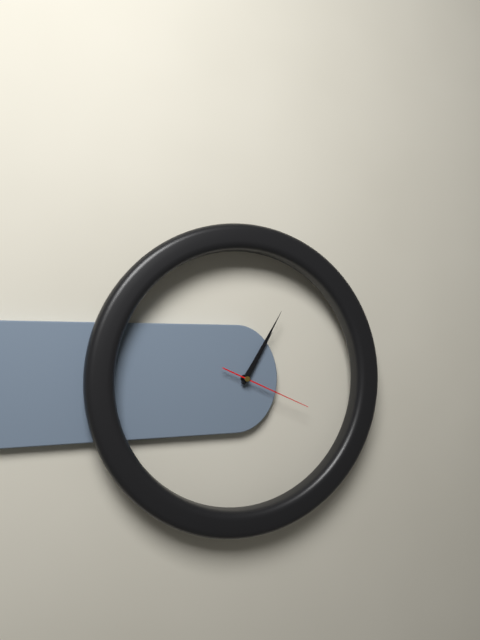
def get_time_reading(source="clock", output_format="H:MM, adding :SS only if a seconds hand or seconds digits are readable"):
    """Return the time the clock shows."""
1:05:19
